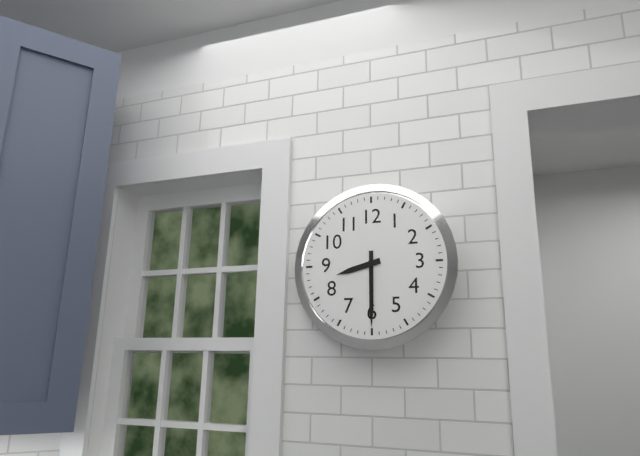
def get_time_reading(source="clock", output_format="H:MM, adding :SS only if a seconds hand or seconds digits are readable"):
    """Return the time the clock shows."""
8:30
